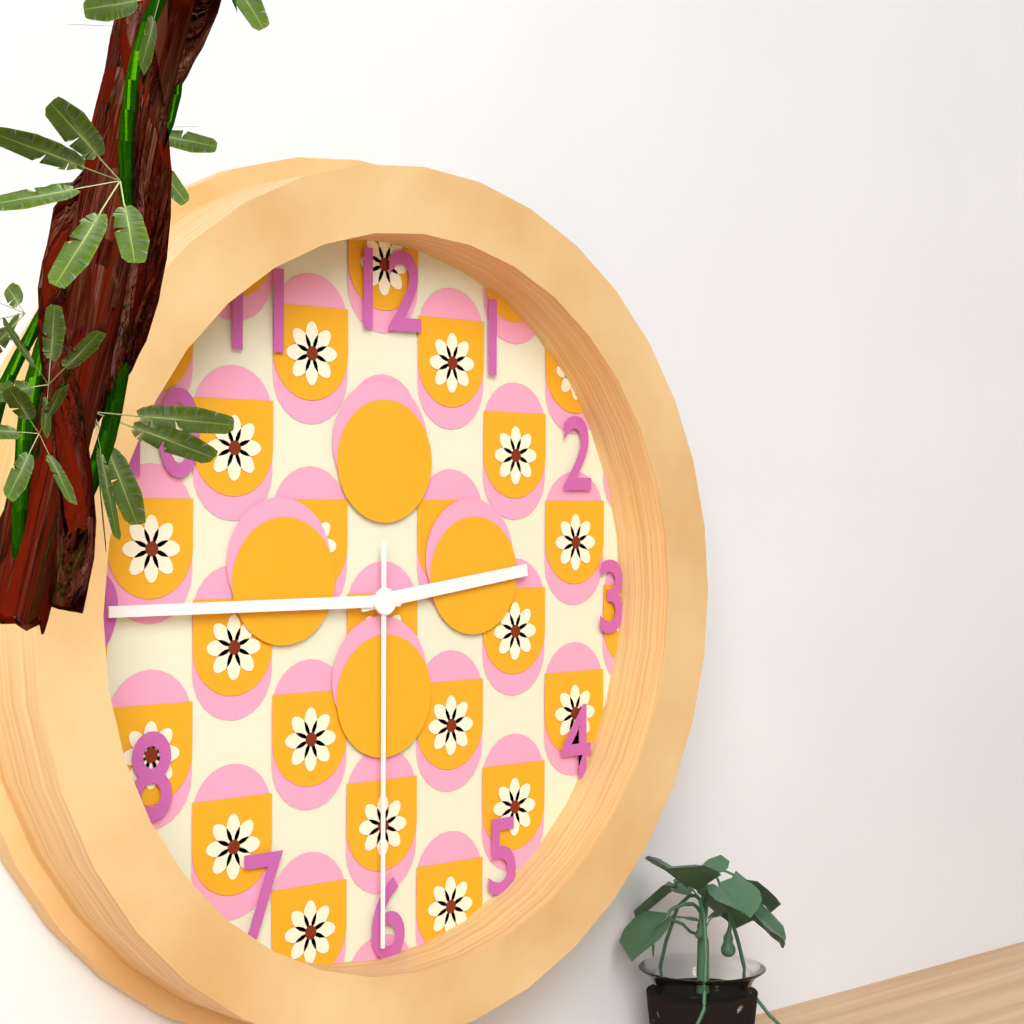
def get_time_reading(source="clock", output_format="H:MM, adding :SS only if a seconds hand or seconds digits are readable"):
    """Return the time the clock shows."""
2:45:30
